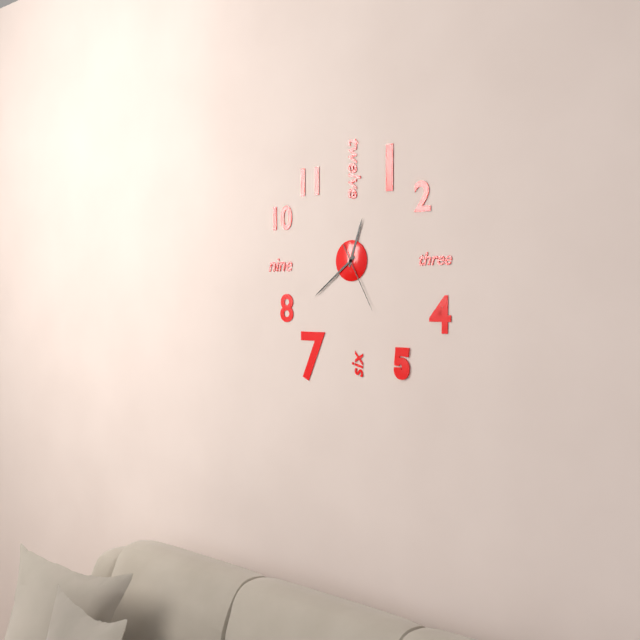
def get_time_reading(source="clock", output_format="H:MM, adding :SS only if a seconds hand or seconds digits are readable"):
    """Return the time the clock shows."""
12:39:25
